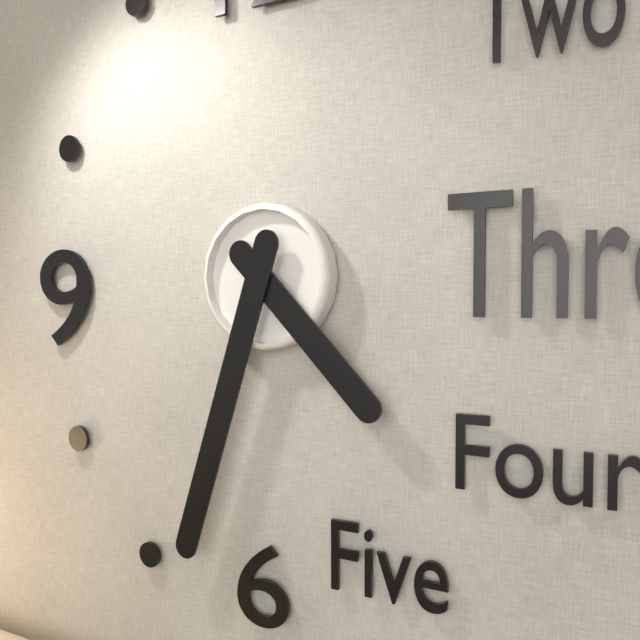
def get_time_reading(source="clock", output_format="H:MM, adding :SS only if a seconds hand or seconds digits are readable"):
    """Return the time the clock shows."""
4:33
